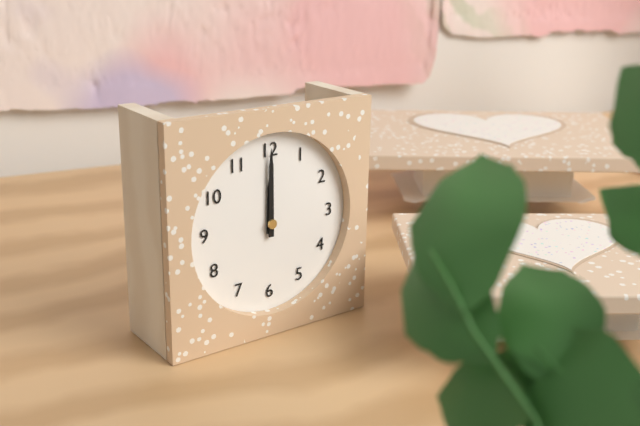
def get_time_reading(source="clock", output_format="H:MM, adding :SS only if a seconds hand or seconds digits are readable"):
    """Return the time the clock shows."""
12:00
